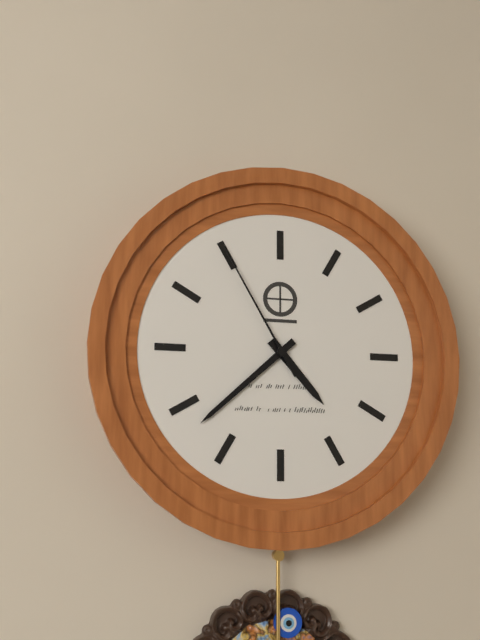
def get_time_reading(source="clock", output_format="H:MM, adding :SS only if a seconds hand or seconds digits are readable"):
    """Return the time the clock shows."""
4:38:55
